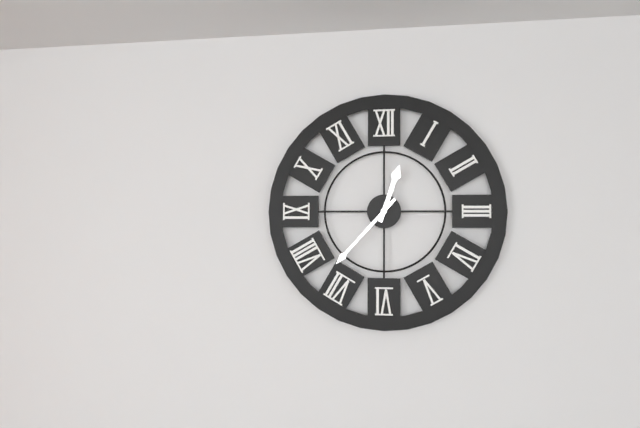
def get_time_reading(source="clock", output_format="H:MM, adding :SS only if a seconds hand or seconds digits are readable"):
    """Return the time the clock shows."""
12:37
